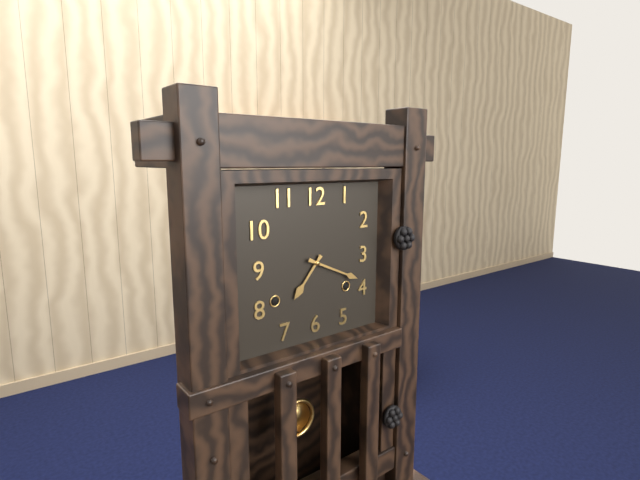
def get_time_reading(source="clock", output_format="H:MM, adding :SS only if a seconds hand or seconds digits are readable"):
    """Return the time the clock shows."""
7:19
